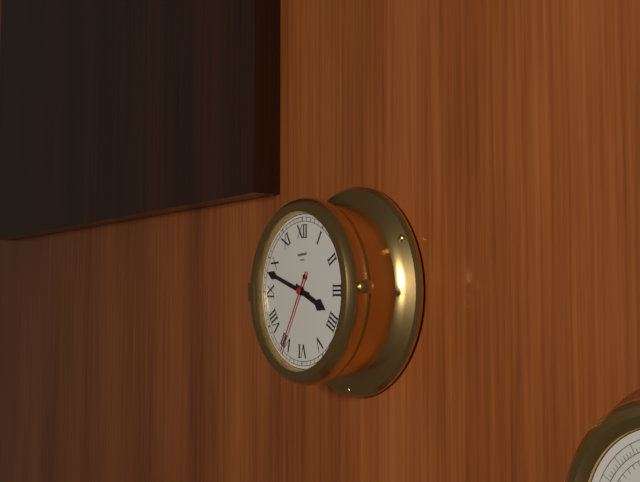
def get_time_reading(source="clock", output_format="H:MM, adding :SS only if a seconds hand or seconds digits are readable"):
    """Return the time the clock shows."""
3:48:35
